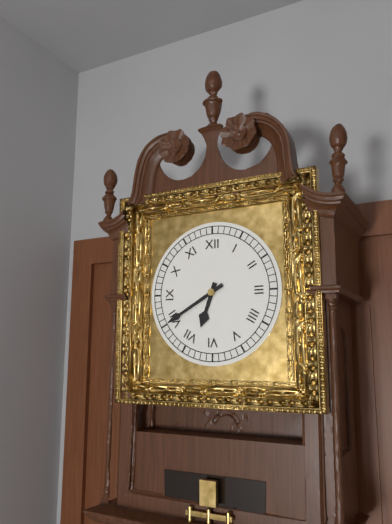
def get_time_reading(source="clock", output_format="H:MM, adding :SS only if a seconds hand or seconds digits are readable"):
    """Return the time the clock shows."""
6:40
